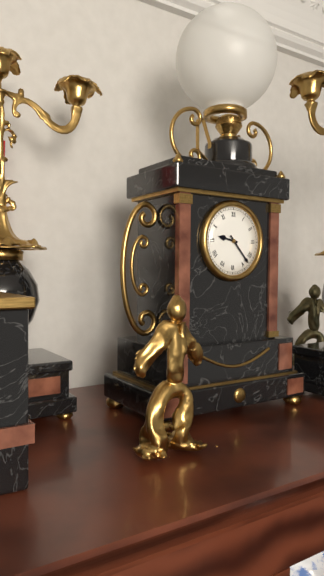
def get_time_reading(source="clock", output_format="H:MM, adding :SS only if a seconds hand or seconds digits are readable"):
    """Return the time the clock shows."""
9:23
